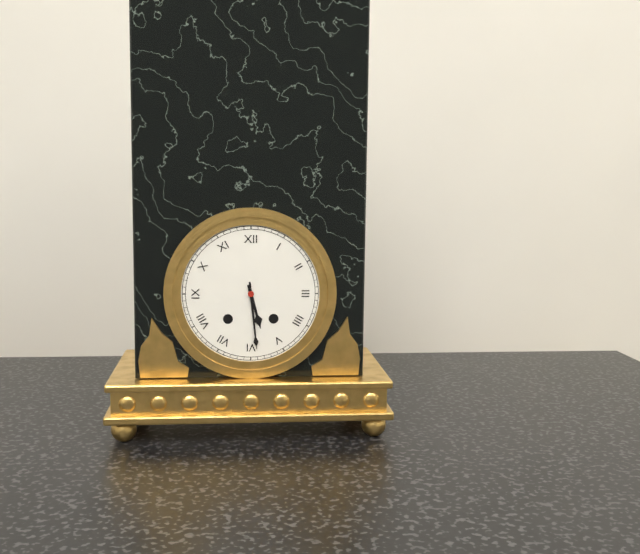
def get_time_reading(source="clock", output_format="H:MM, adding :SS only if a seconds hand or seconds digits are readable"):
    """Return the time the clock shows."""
5:29
